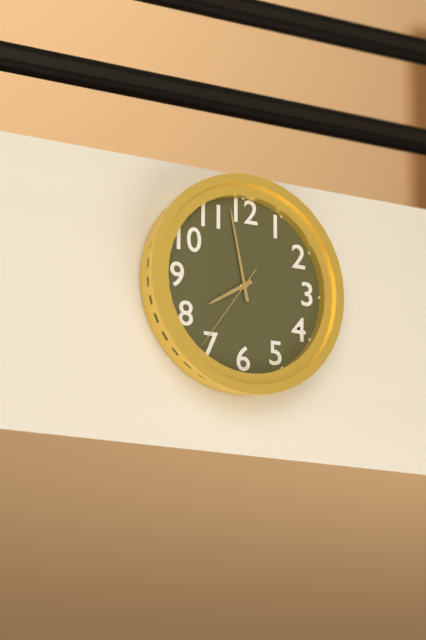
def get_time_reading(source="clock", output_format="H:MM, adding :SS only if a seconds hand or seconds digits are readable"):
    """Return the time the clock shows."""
7:58:36
